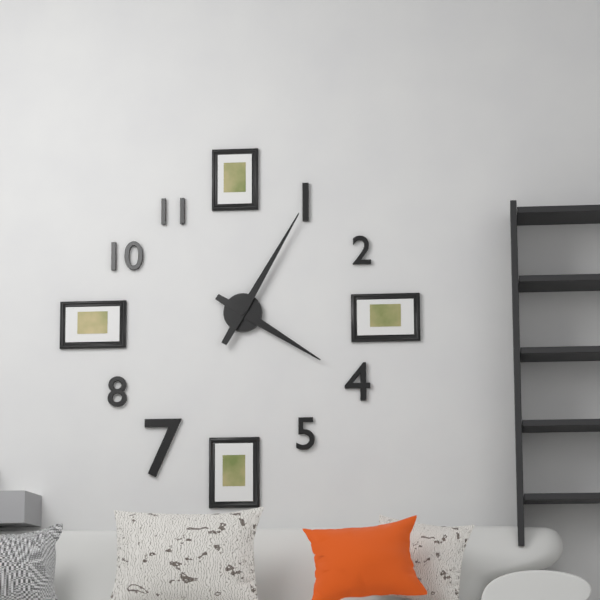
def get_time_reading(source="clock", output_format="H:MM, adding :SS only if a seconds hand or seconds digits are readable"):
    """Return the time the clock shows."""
4:05
